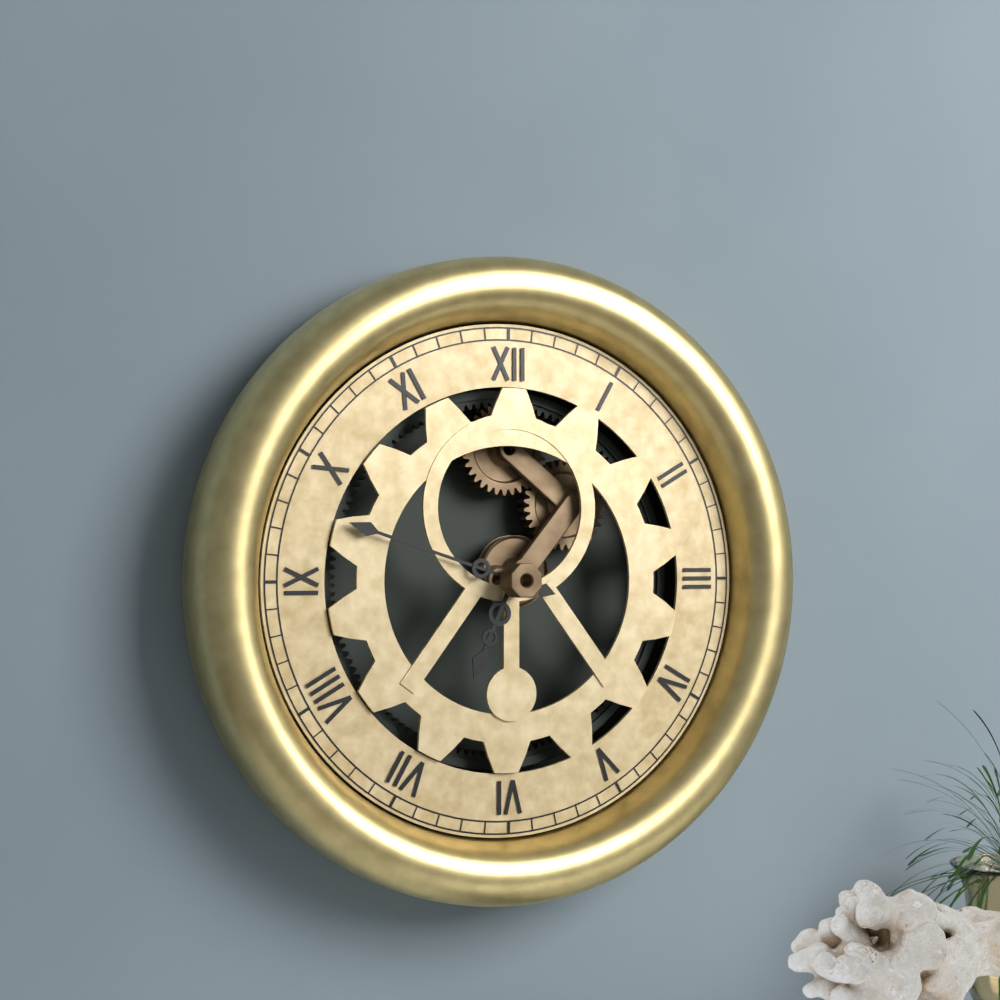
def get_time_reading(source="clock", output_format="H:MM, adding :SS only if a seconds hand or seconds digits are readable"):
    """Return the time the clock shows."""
6:48
